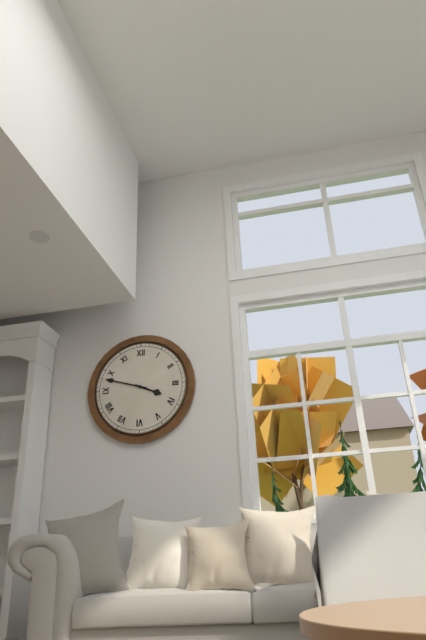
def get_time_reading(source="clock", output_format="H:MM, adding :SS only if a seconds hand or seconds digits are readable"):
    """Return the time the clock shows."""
3:48
